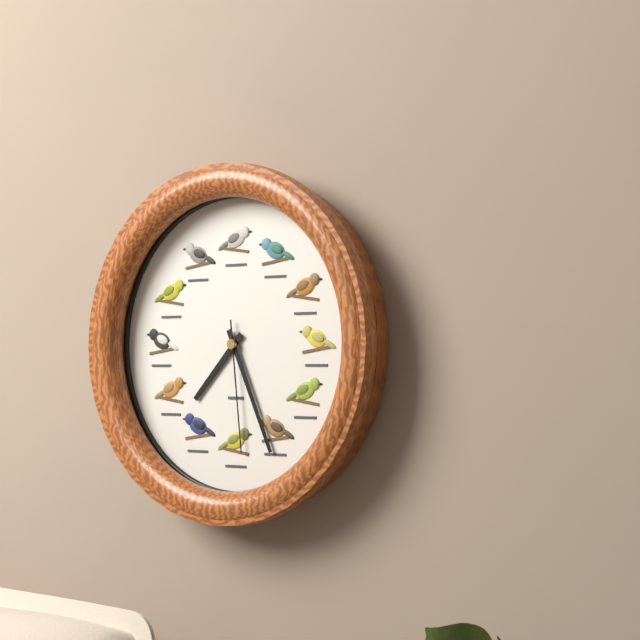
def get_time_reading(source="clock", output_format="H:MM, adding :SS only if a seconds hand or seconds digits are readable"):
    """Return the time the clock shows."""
7:26:29
